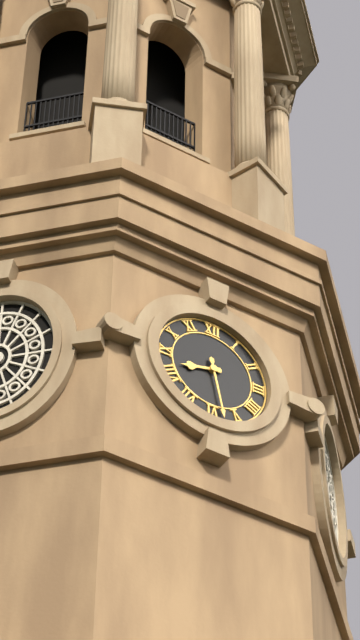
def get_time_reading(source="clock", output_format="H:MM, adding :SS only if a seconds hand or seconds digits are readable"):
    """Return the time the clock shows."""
8:28
